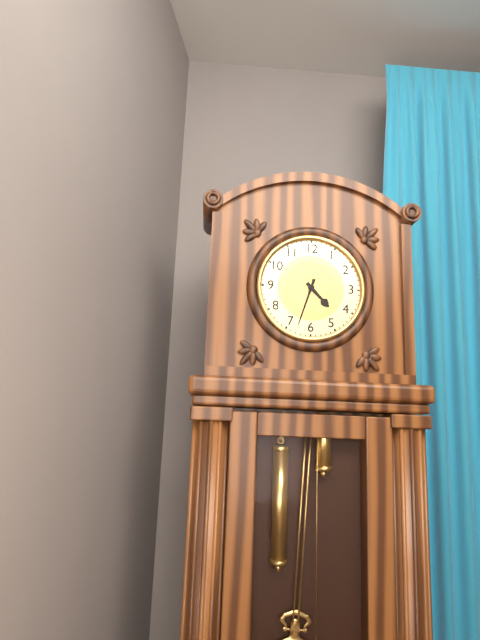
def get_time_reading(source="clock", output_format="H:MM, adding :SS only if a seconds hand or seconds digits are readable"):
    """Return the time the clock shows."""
4:33
